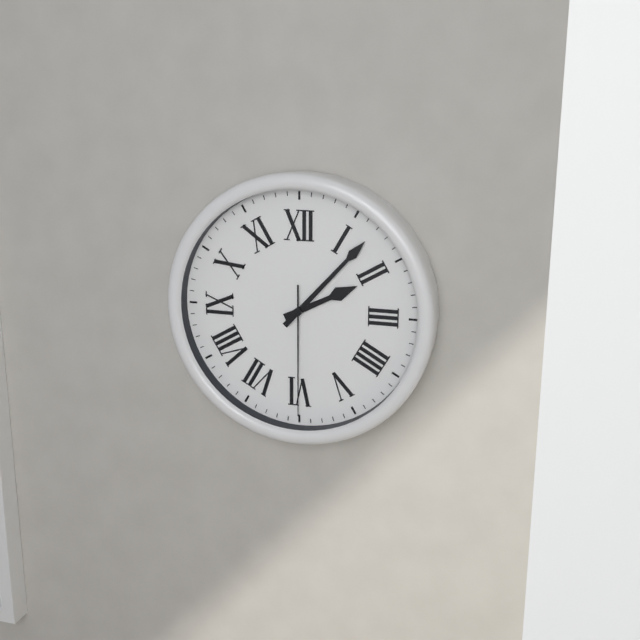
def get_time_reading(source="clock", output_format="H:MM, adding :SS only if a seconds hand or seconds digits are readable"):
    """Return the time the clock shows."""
2:07:30
